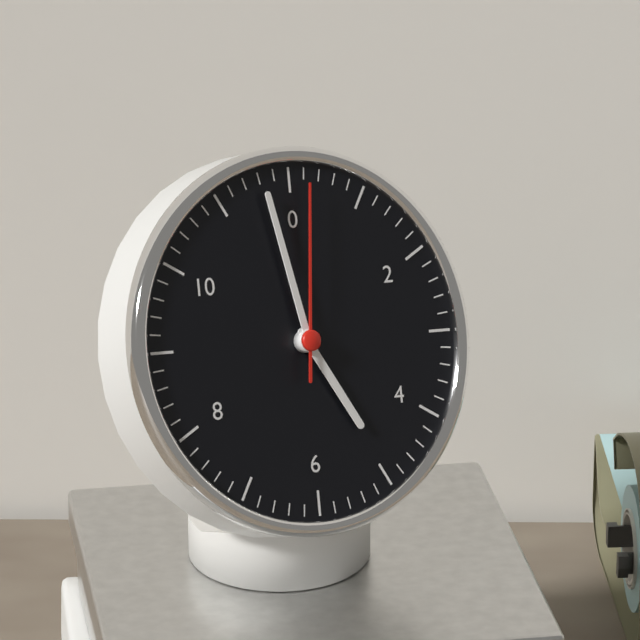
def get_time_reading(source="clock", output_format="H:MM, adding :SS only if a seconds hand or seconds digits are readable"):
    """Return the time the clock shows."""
4:58:01
